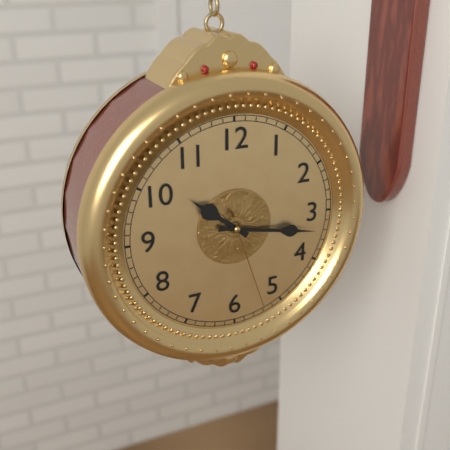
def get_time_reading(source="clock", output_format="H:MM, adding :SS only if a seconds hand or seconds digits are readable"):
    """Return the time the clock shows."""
10:17:27
